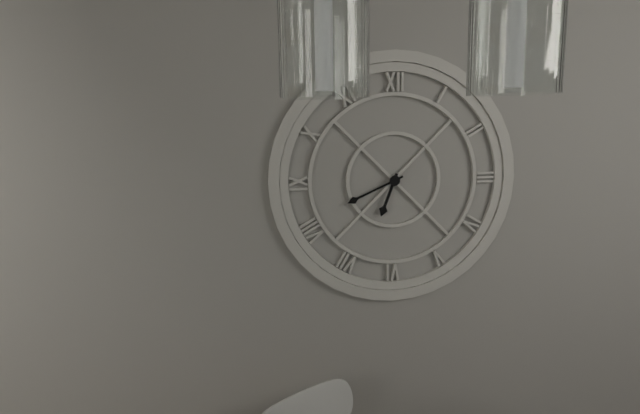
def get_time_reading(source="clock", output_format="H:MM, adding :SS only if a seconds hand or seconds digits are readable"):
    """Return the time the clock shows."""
6:41
